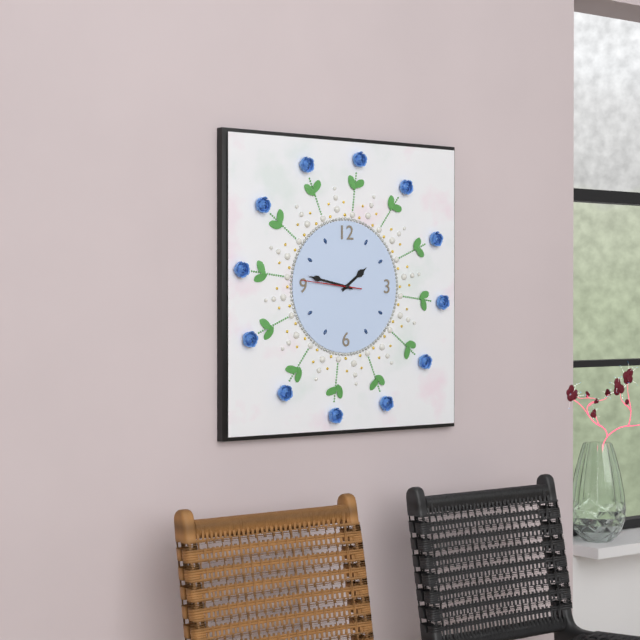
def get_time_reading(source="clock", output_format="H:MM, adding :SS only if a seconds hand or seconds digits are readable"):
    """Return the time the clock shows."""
1:47:46
